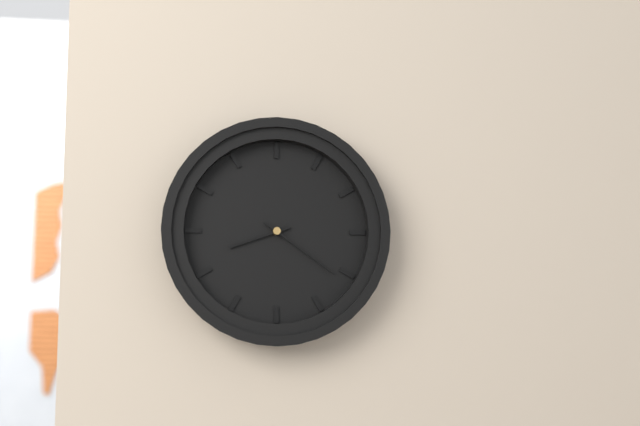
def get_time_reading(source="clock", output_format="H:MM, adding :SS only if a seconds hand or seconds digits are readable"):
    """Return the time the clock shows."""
8:21
